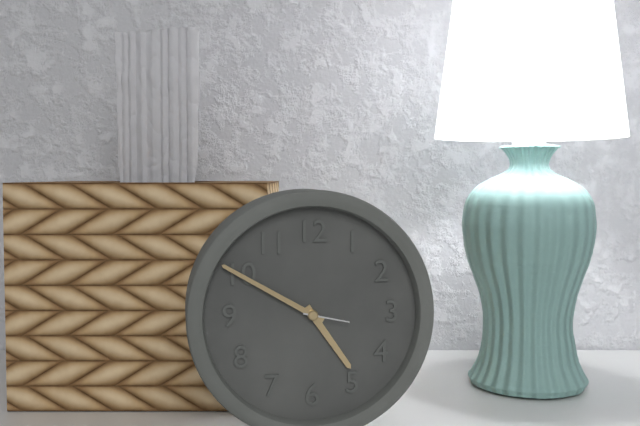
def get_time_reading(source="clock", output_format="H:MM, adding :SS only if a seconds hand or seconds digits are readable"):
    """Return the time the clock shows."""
4:50
